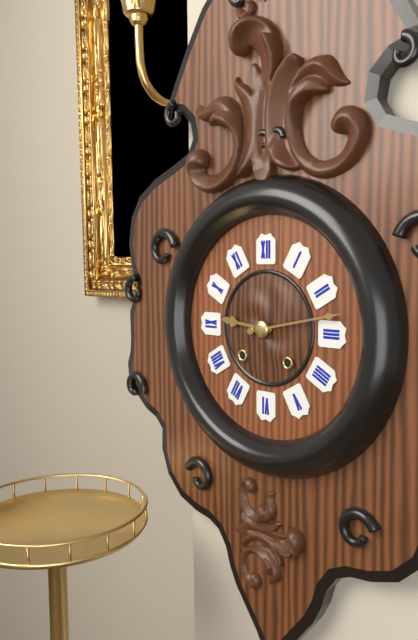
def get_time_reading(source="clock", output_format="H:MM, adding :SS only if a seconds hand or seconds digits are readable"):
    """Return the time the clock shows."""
9:13
